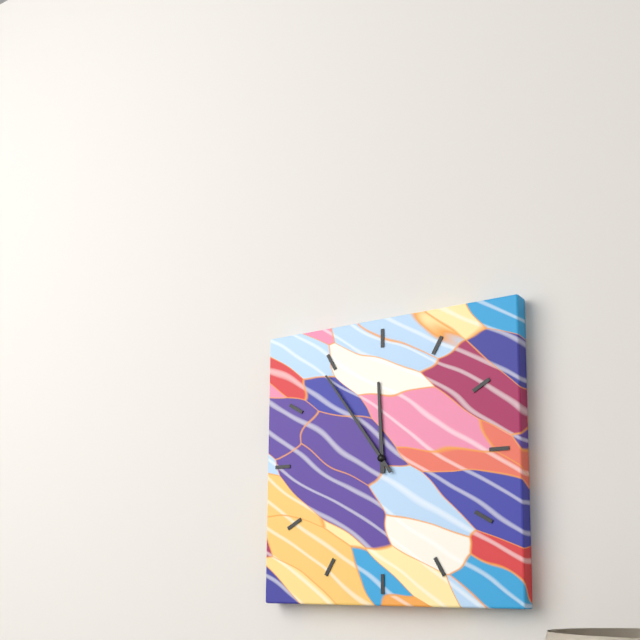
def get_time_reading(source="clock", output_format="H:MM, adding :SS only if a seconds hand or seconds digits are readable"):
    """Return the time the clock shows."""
11:54
